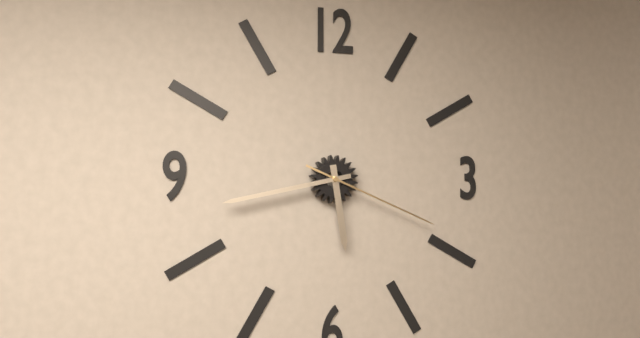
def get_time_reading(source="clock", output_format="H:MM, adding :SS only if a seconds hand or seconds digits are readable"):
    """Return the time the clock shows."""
5:43:19
